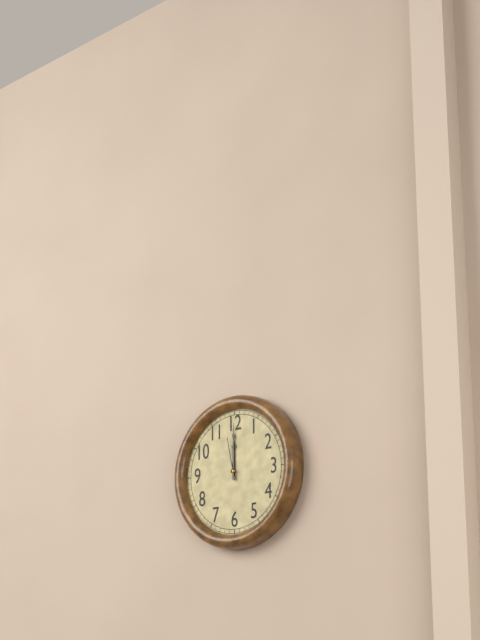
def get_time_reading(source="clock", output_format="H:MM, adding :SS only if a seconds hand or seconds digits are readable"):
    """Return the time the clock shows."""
12:00
